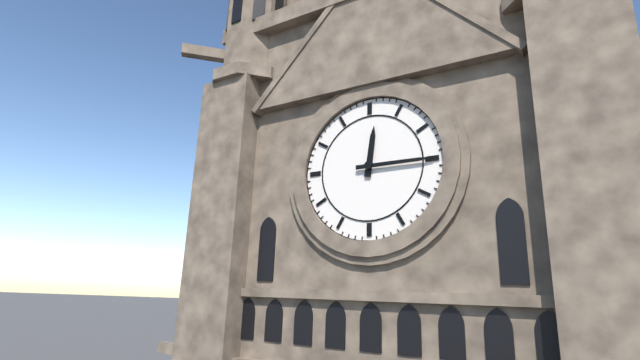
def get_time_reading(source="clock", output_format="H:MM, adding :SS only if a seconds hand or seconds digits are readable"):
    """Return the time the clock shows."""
12:15
